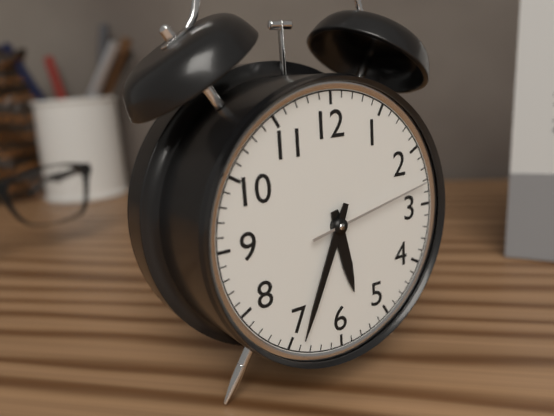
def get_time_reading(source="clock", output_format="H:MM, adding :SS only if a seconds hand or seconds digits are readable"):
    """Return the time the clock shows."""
5:34:13
